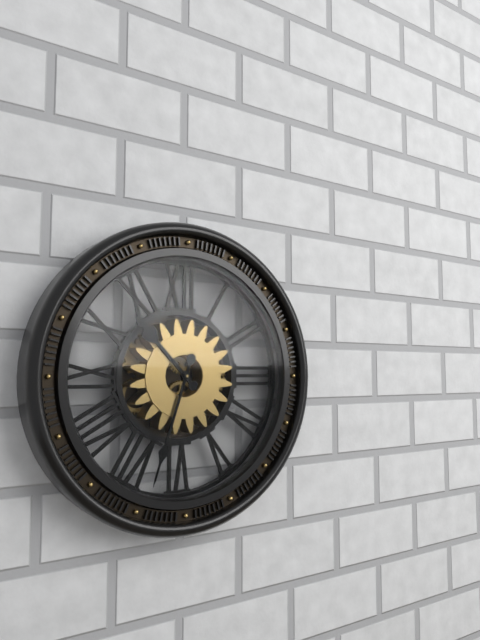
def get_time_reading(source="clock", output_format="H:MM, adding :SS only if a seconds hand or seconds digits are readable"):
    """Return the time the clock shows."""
10:33
